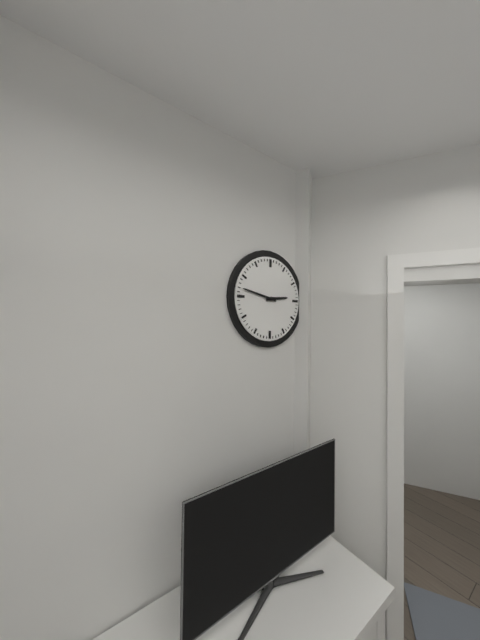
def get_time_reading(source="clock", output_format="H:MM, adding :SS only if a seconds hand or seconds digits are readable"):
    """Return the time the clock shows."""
2:47
